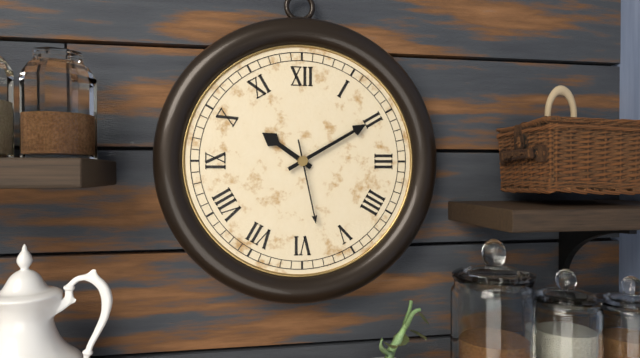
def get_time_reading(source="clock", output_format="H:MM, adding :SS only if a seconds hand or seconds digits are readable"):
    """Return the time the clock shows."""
10:10:28
